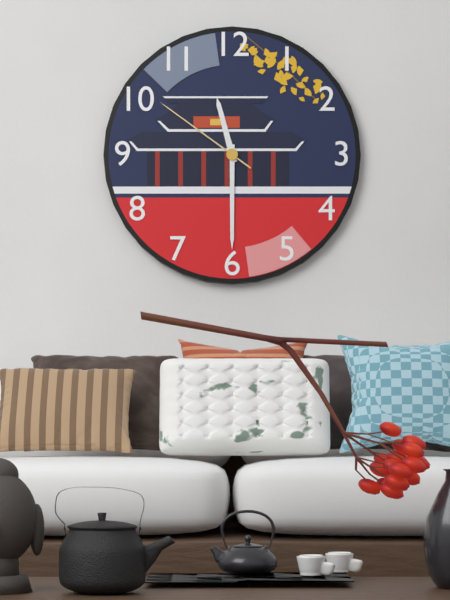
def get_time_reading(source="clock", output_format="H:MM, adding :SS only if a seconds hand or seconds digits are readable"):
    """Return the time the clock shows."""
11:30:51
